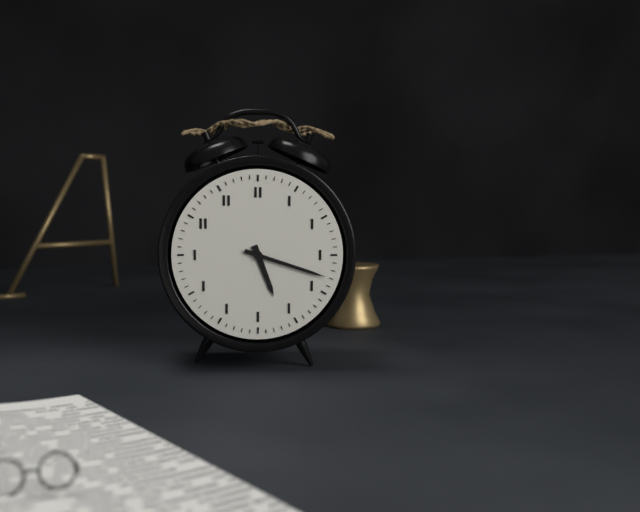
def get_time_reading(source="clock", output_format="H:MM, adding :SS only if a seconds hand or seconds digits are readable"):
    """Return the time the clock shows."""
5:18
